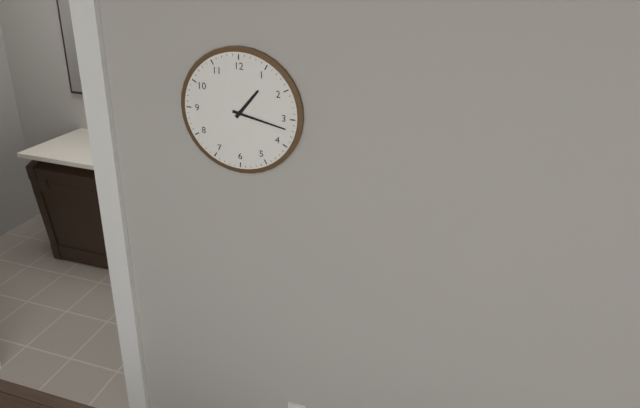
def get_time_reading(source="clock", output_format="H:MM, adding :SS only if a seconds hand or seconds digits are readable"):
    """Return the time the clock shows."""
1:17
